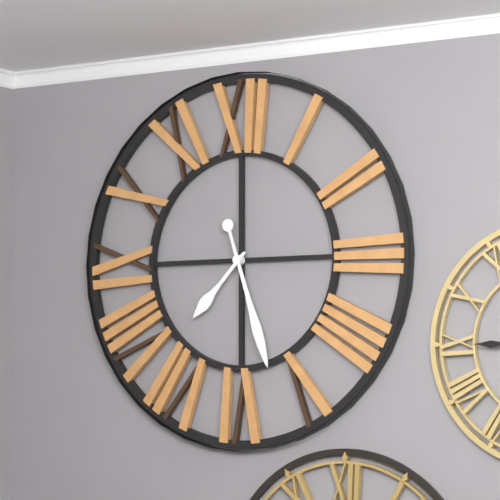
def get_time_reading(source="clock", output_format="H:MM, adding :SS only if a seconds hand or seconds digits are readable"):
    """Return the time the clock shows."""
7:27
